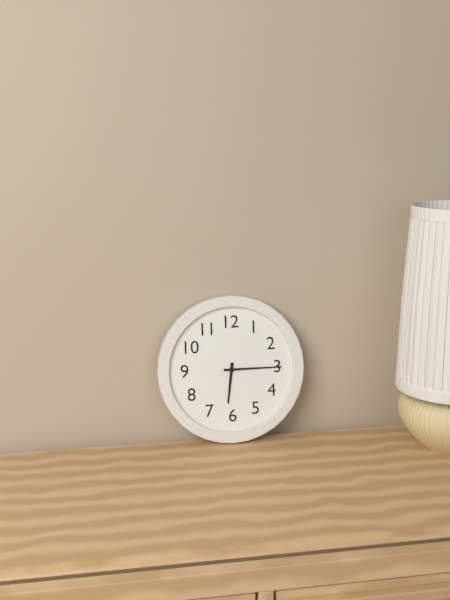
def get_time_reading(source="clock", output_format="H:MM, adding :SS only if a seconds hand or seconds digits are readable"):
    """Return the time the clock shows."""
6:15
